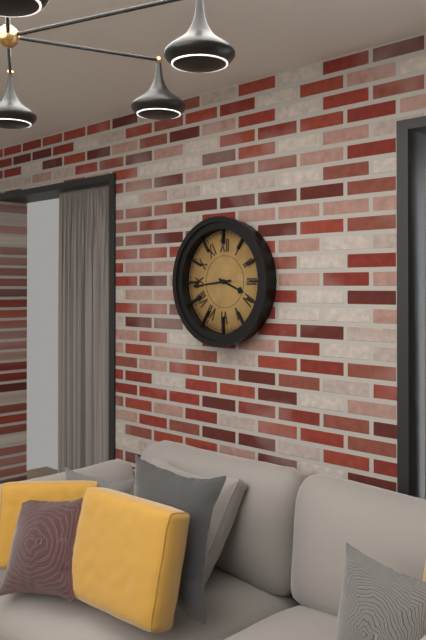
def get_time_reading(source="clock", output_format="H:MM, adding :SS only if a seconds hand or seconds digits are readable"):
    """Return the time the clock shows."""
3:44
